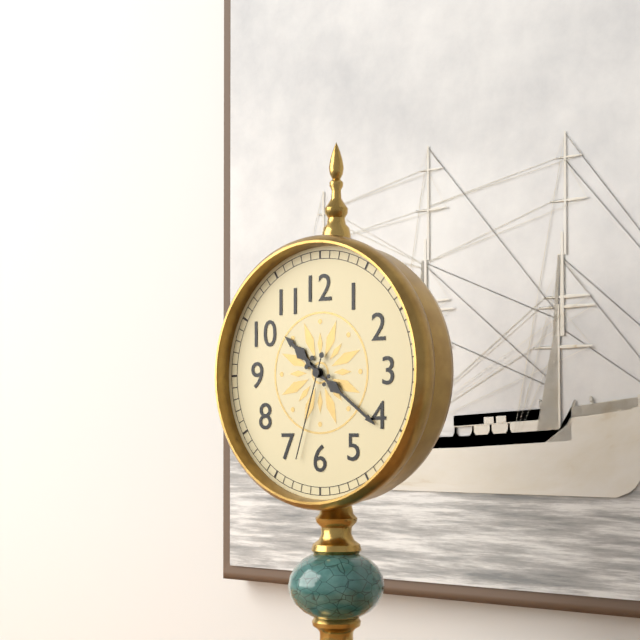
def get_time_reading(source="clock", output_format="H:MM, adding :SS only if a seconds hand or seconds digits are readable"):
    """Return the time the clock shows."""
10:21:33
